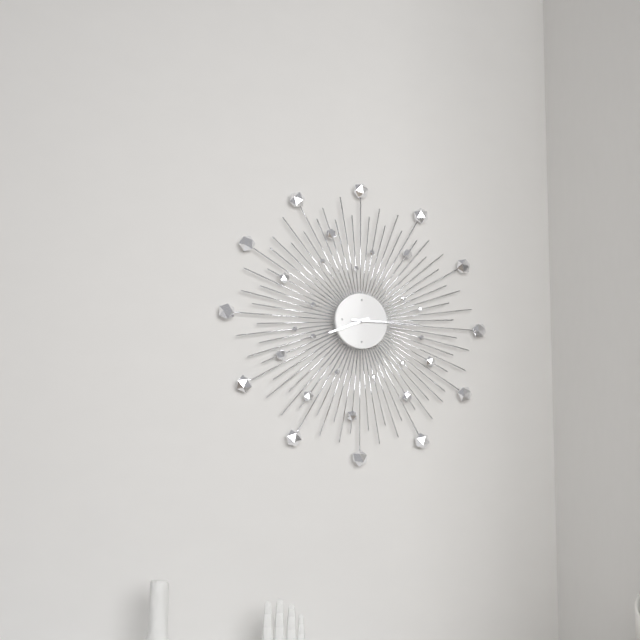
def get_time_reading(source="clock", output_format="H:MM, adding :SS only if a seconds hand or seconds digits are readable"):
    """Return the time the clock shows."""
8:15
